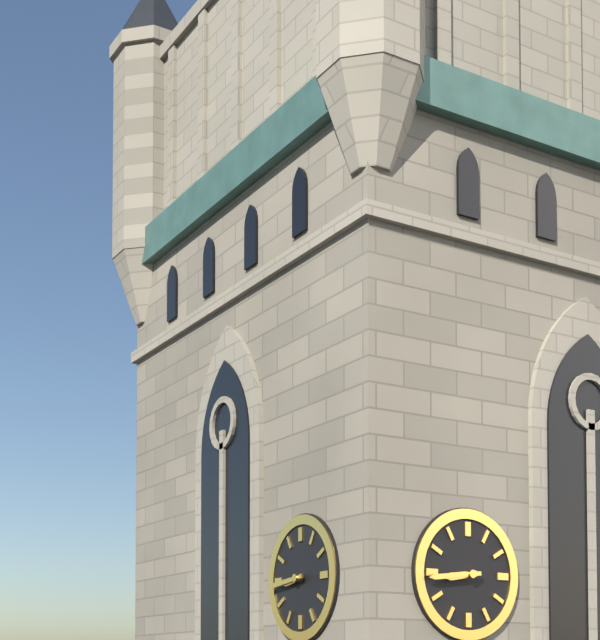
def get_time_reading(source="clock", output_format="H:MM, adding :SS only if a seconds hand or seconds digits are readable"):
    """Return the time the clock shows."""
8:44
